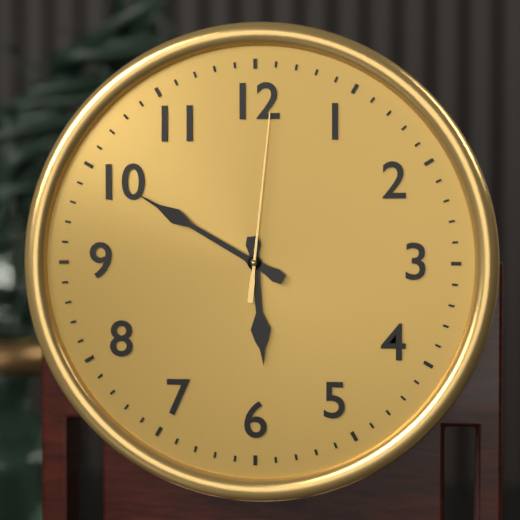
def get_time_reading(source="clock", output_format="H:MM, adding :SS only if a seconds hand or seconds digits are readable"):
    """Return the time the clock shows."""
5:50:01
